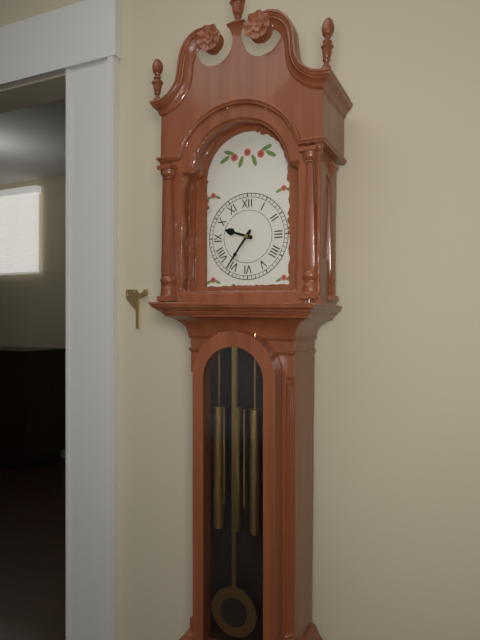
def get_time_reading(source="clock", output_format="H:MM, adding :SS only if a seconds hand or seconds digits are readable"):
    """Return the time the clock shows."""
9:36
